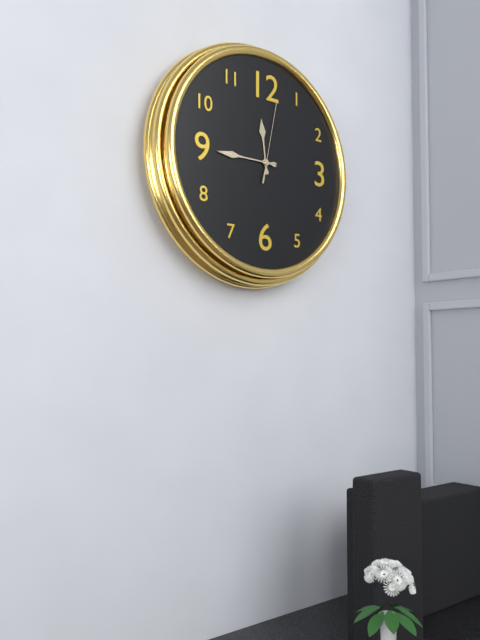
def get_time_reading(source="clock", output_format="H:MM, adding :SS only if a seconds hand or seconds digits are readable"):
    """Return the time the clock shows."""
11:45:02
